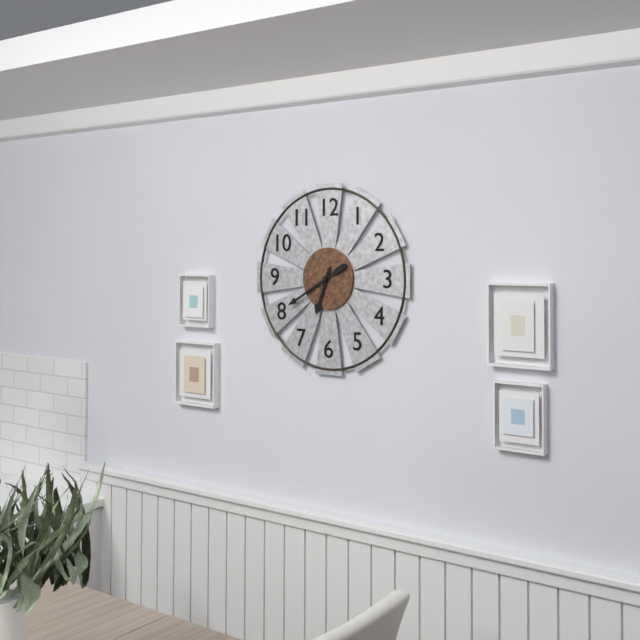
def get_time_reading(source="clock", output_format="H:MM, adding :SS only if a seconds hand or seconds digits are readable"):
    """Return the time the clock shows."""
6:40
